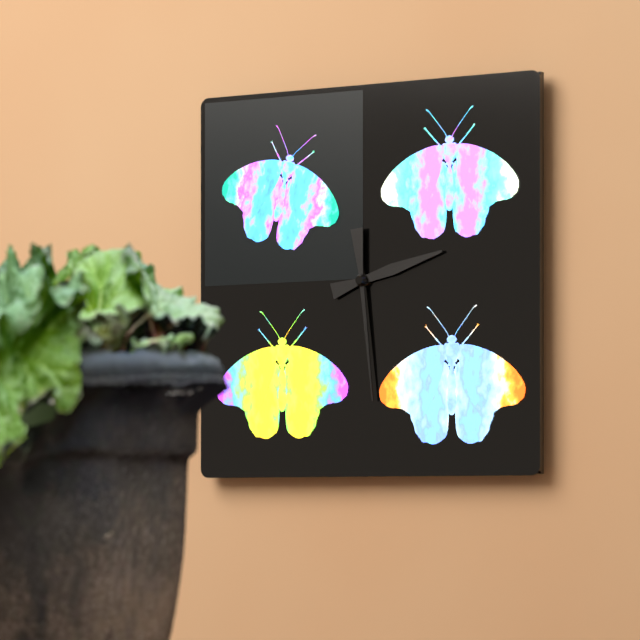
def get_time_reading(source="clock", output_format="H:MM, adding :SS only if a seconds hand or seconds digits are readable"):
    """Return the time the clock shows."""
2:29
